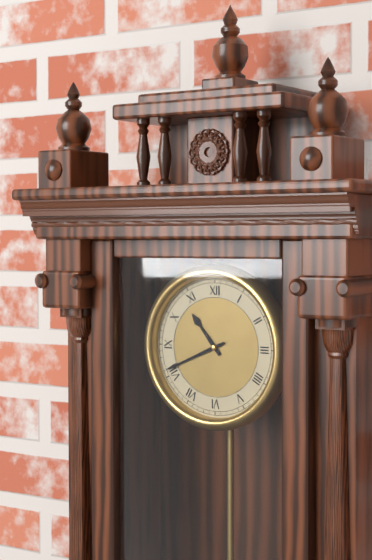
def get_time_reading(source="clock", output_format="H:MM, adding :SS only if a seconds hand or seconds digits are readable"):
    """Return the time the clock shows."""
10:41
